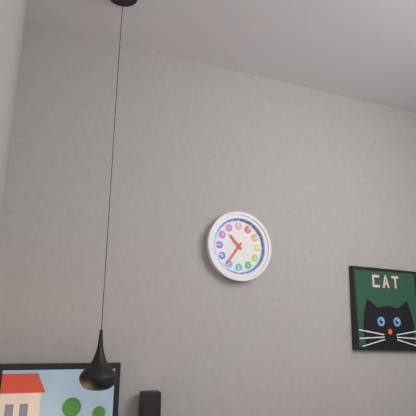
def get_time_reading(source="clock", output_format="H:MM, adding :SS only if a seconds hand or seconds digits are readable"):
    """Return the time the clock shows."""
10:36
